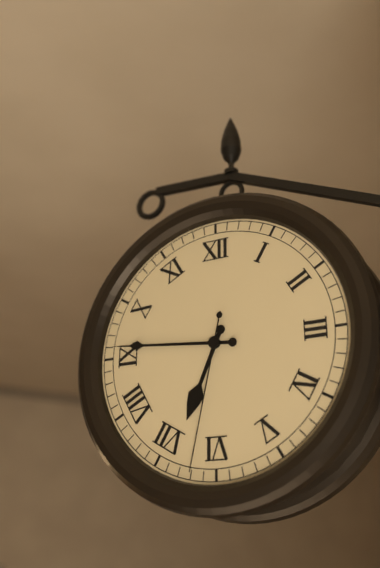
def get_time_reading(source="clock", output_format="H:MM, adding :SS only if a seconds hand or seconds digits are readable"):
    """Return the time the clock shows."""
6:46:32
